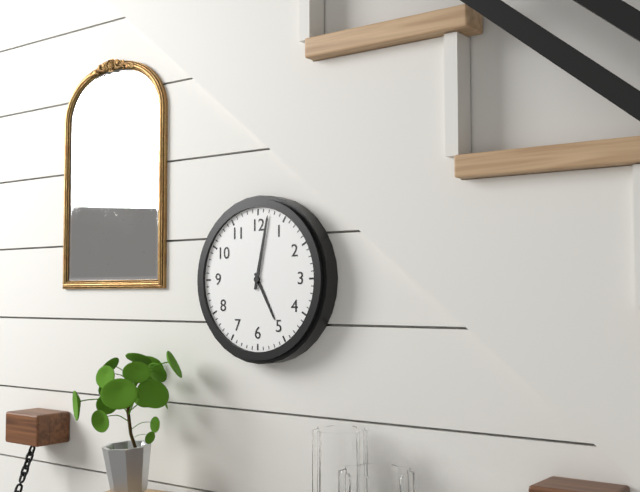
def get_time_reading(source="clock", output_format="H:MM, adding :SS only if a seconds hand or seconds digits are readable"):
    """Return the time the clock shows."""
5:02
